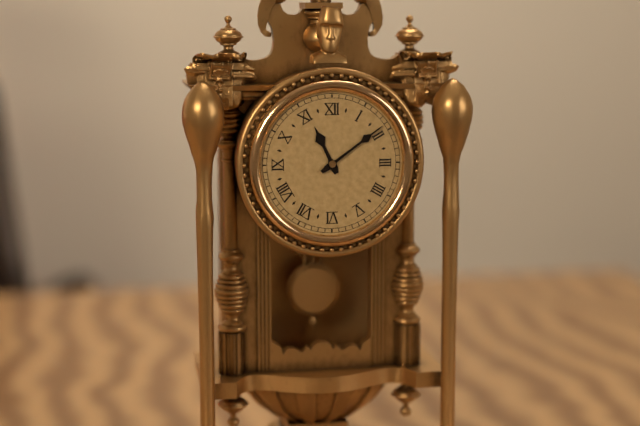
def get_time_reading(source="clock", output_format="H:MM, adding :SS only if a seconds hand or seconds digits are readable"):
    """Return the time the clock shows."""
11:09
